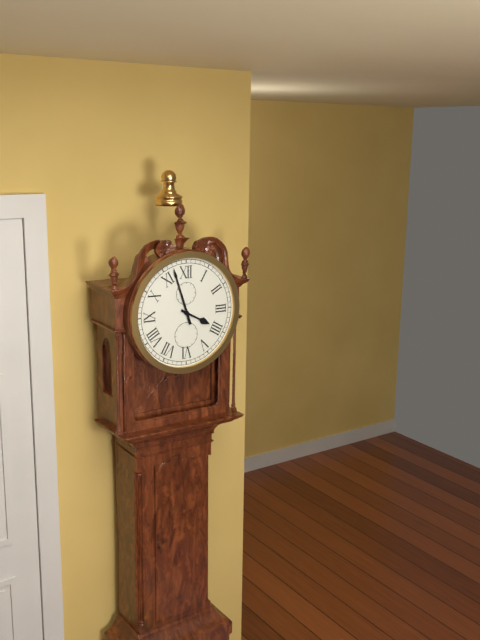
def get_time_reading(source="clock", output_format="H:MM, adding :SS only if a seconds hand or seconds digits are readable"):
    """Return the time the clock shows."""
3:57
